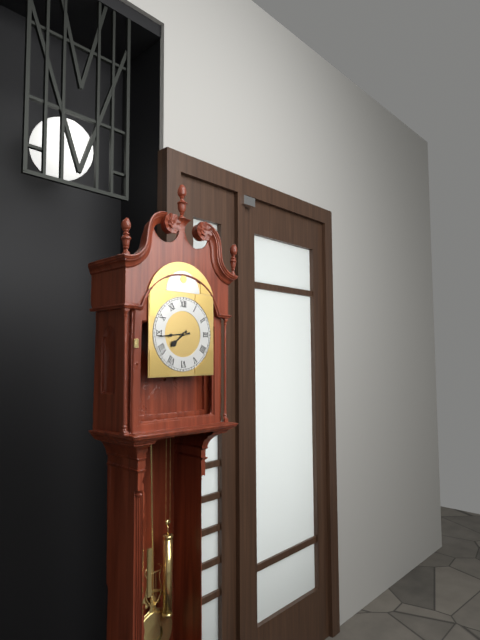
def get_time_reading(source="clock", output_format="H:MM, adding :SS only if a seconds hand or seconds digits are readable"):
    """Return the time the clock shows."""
7:44
